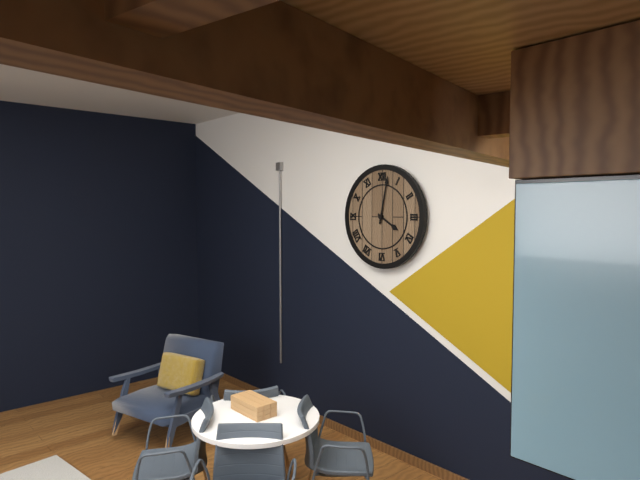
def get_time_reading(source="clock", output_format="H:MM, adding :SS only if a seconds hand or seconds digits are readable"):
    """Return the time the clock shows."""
4:02
